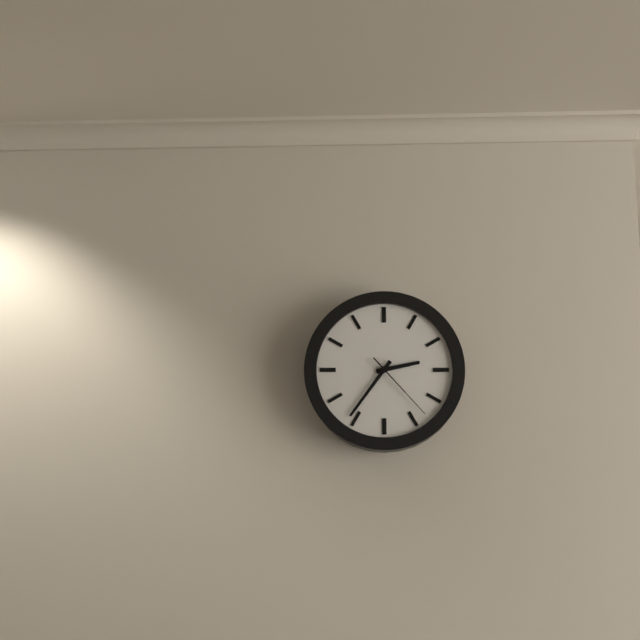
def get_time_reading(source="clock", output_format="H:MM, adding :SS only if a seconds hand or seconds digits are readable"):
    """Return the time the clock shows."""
2:36:23
